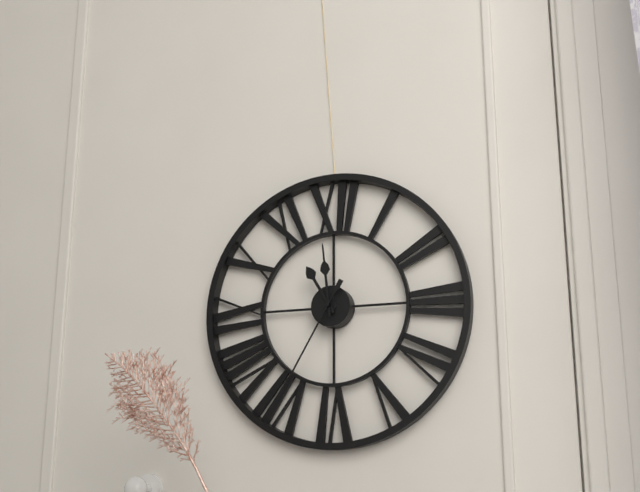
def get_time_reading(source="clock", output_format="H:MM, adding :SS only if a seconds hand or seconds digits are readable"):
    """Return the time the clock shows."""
10:59:35
